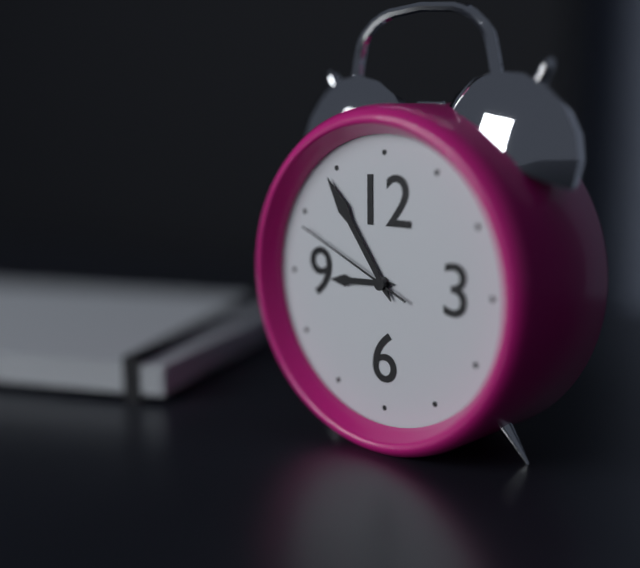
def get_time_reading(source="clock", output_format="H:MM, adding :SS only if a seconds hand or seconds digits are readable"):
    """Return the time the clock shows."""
8:54:49
